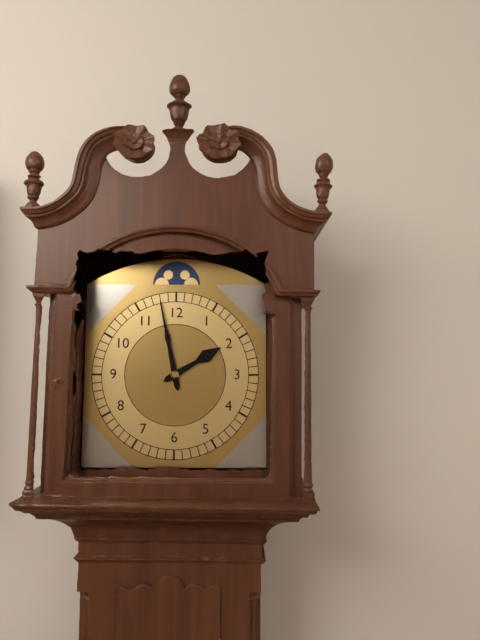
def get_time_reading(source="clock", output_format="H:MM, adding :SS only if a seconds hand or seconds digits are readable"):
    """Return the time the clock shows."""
1:58
